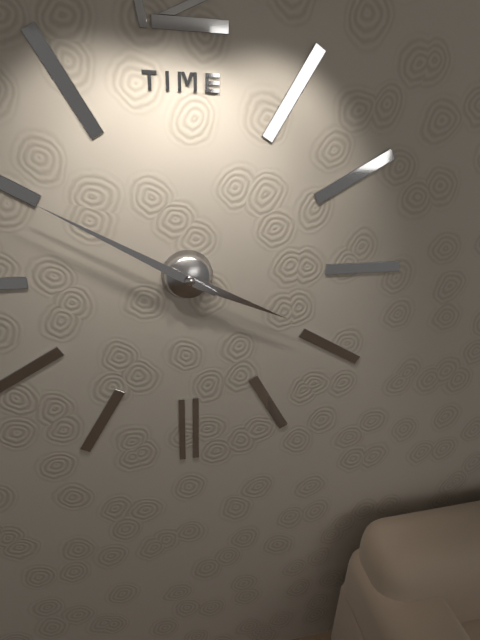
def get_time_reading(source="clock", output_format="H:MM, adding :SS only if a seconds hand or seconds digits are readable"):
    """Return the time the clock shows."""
3:50
